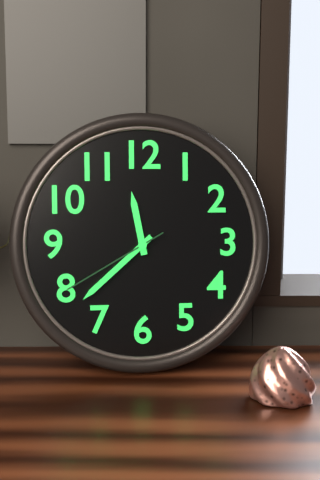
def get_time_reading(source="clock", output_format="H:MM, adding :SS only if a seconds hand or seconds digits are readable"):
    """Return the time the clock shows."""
11:38:40
